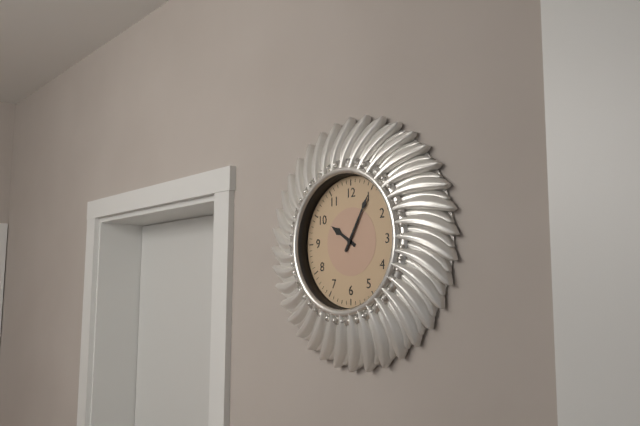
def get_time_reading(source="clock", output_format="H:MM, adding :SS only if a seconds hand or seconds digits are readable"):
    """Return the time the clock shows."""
10:05
